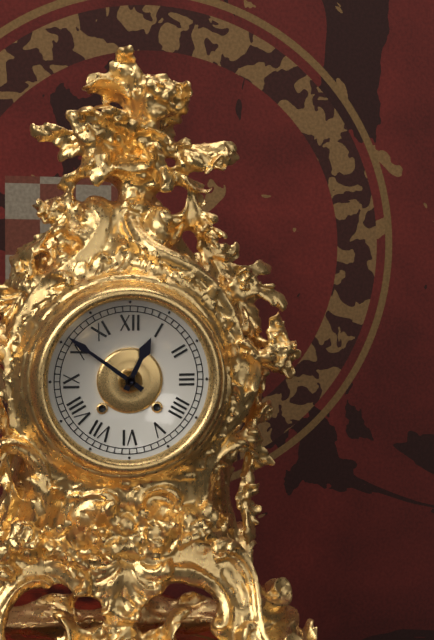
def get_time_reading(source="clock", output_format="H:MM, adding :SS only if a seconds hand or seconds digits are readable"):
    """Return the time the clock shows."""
12:51
